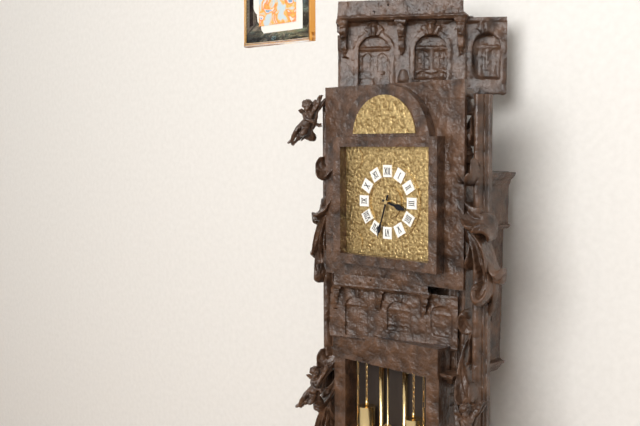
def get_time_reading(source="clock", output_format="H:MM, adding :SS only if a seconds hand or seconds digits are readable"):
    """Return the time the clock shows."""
3:33
